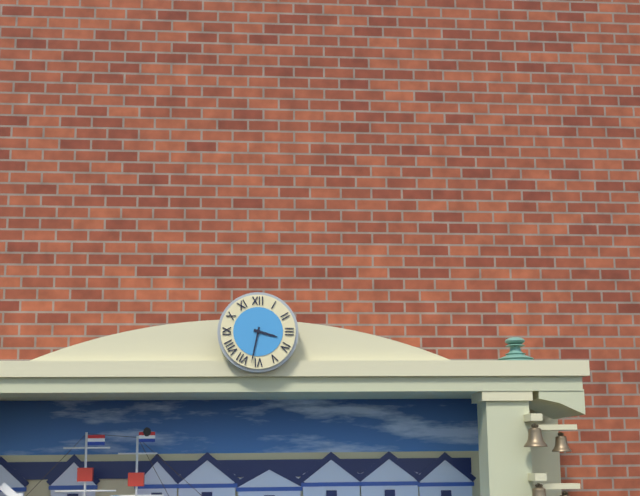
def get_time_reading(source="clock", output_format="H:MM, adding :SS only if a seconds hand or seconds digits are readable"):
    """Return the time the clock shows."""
3:32
